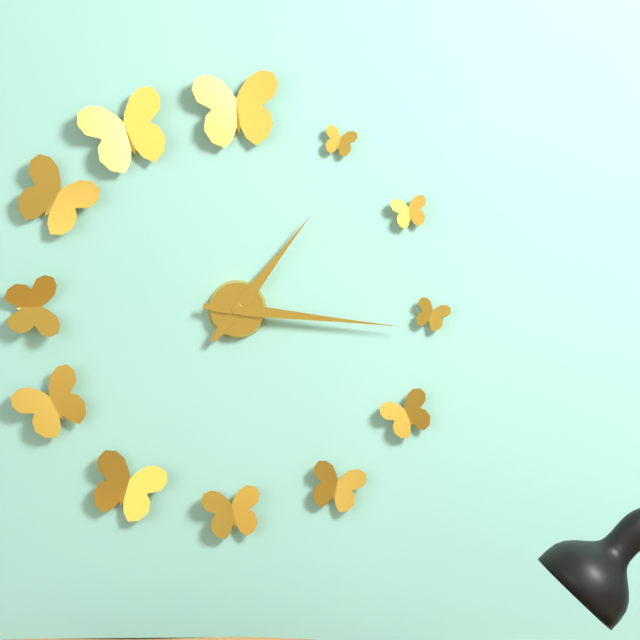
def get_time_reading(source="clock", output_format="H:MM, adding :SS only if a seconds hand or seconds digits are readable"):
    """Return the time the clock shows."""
1:16
